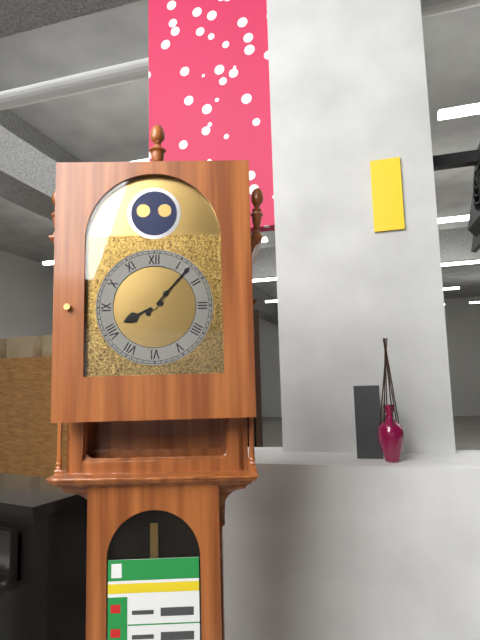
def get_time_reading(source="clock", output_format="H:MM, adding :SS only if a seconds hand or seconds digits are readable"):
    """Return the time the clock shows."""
8:07
